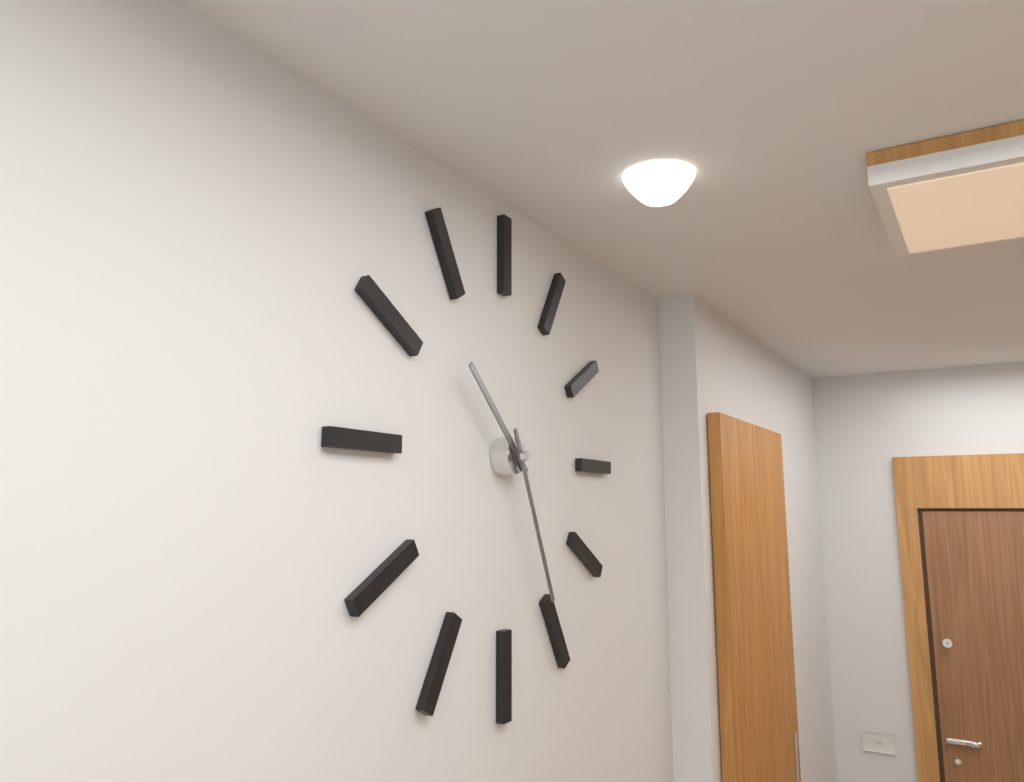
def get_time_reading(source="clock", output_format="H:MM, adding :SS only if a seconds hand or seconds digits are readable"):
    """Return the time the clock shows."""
10:26
